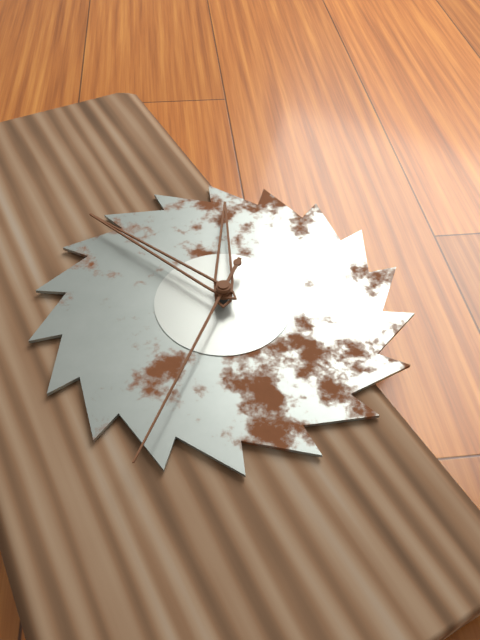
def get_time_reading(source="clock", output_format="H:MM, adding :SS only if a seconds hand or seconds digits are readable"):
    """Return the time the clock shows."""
12:56:38
